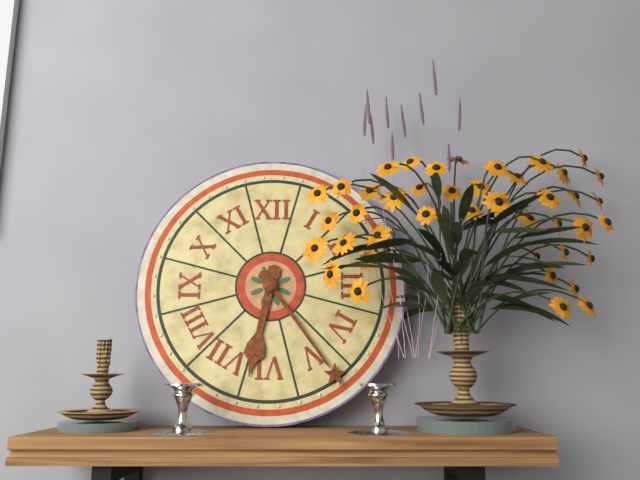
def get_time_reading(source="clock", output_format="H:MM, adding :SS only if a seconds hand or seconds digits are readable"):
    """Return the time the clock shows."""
6:24
